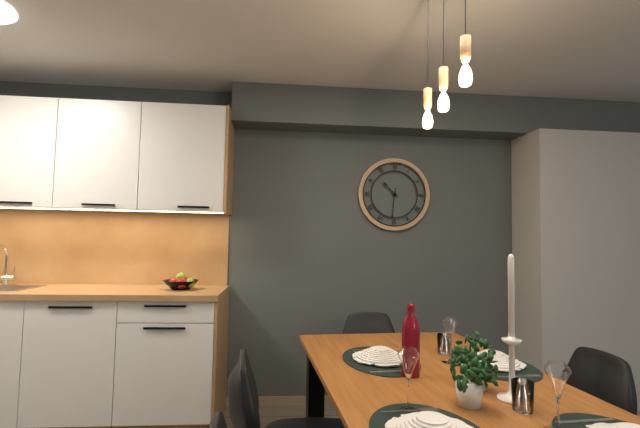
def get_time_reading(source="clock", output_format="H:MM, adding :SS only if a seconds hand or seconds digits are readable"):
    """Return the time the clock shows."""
10:31
